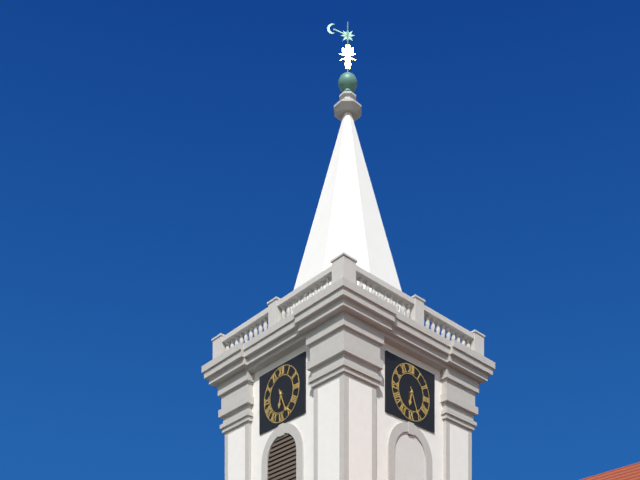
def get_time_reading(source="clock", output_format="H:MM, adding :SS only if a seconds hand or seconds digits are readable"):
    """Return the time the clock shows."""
6:26
